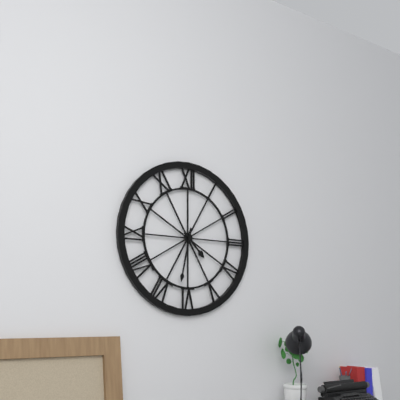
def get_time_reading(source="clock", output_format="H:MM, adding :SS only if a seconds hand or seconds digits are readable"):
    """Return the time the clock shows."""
4:32
